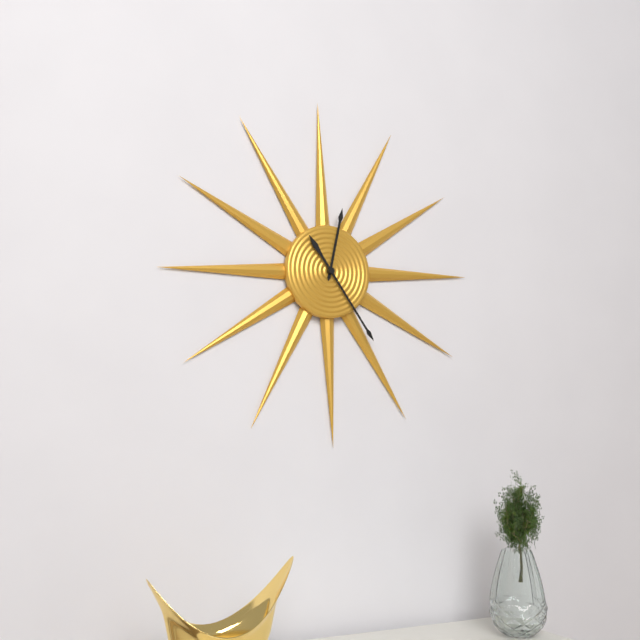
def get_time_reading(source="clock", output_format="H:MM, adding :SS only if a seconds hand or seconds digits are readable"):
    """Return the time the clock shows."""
12:24
